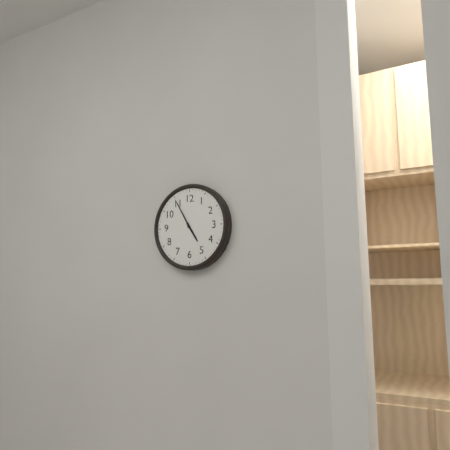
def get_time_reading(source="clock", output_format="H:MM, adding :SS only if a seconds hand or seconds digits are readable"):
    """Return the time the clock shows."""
4:55
